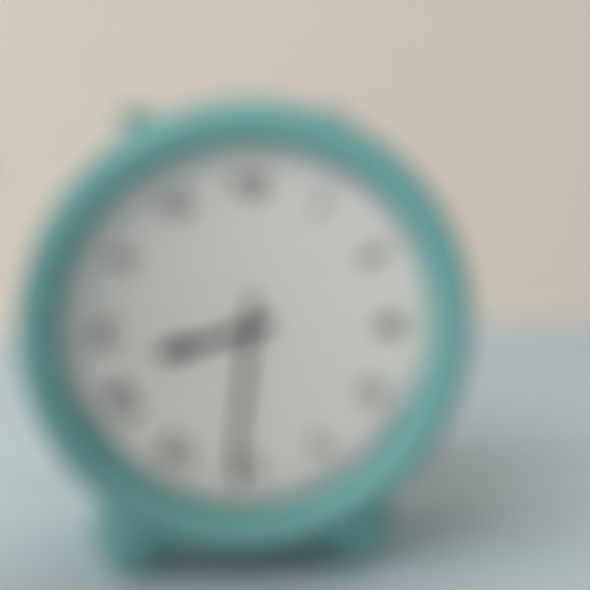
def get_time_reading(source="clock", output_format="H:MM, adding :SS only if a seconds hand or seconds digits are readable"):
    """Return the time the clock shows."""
8:31
